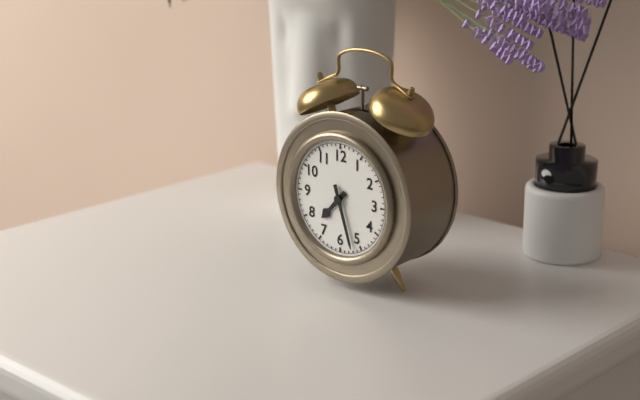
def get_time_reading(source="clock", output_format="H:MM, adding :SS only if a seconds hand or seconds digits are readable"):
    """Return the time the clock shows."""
7:27
